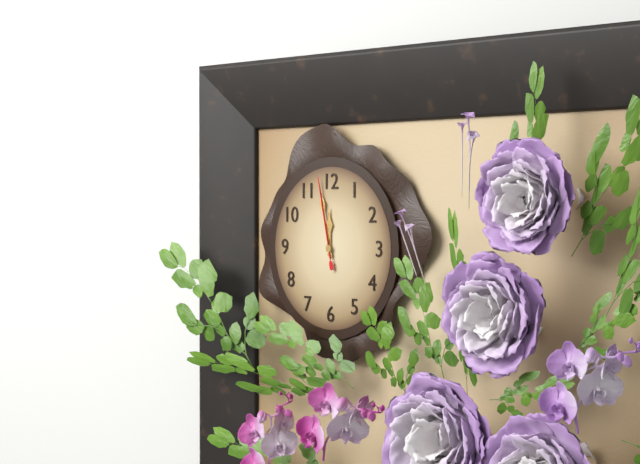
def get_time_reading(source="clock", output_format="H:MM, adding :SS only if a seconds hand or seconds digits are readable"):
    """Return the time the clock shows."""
11:58:58
